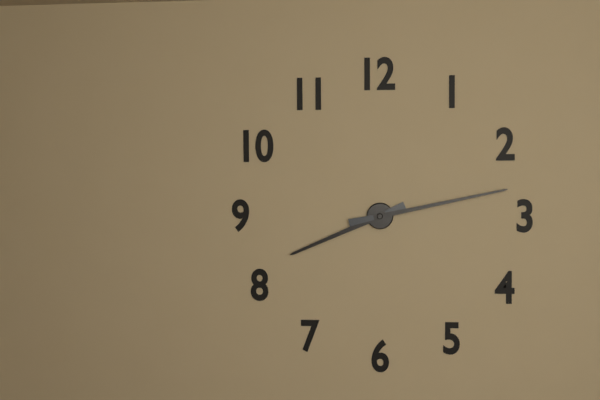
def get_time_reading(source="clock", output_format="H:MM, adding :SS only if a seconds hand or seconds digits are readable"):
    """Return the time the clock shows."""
8:13
